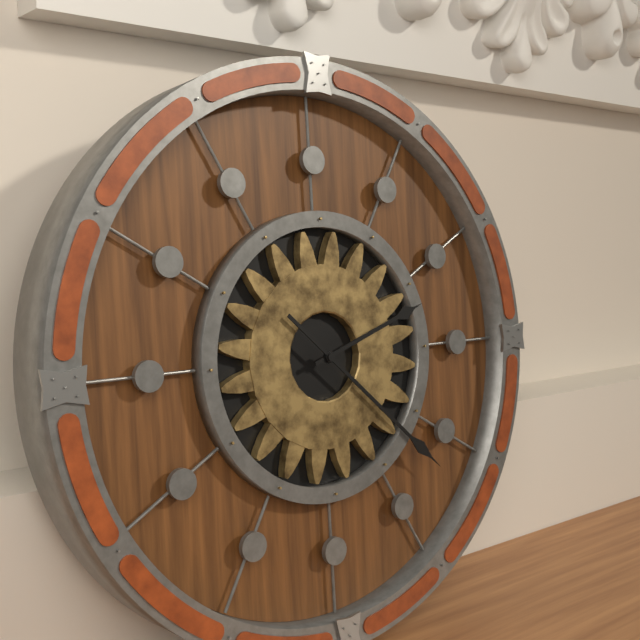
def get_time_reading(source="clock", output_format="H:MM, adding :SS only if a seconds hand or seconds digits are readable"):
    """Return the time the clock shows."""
2:22
